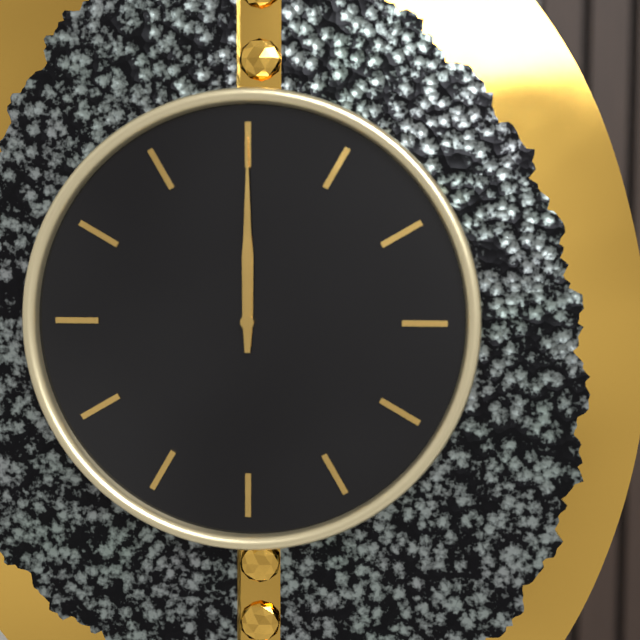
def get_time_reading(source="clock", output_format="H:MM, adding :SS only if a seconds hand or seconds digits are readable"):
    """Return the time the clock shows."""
12:00
